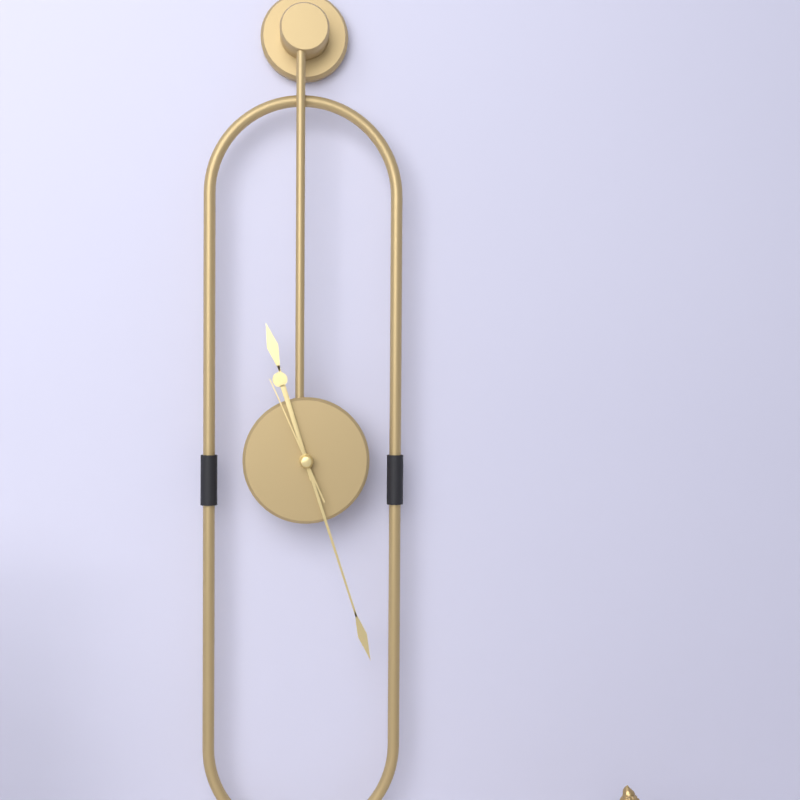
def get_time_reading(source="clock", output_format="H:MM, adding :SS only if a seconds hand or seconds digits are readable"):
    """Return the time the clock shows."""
11:27:56
